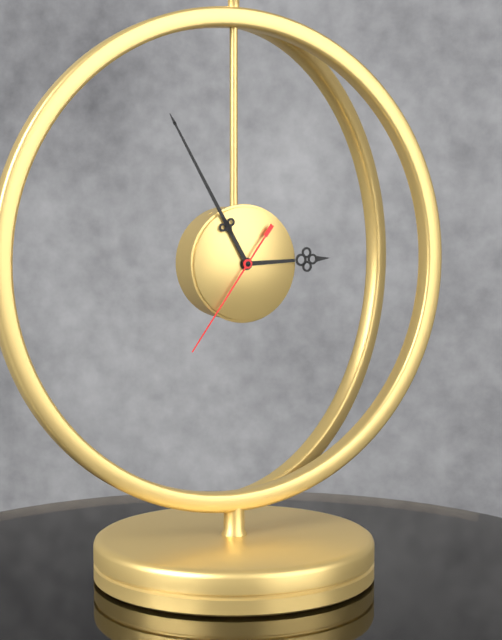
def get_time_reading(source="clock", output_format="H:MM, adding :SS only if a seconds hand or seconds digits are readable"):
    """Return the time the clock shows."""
2:55:36
